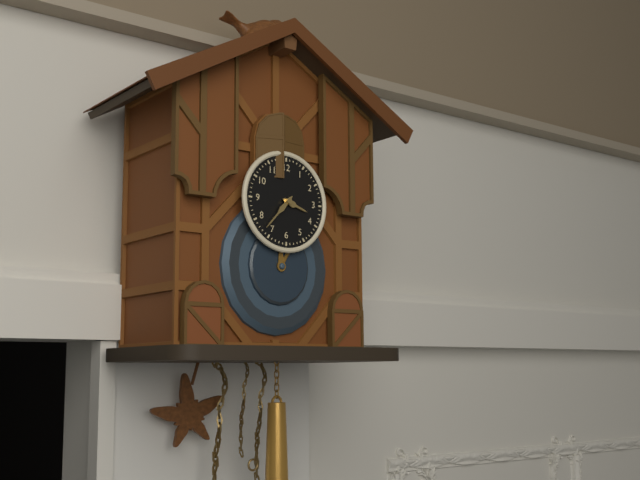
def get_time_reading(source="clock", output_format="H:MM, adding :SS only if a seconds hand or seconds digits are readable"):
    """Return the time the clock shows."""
3:37
